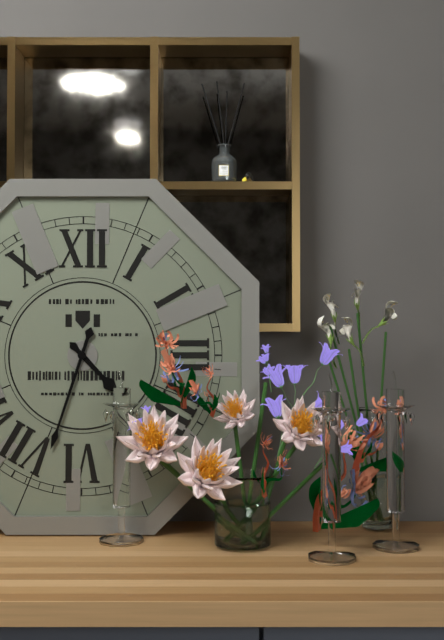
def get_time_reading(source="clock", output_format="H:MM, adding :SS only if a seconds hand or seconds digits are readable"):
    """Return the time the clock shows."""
4:33
